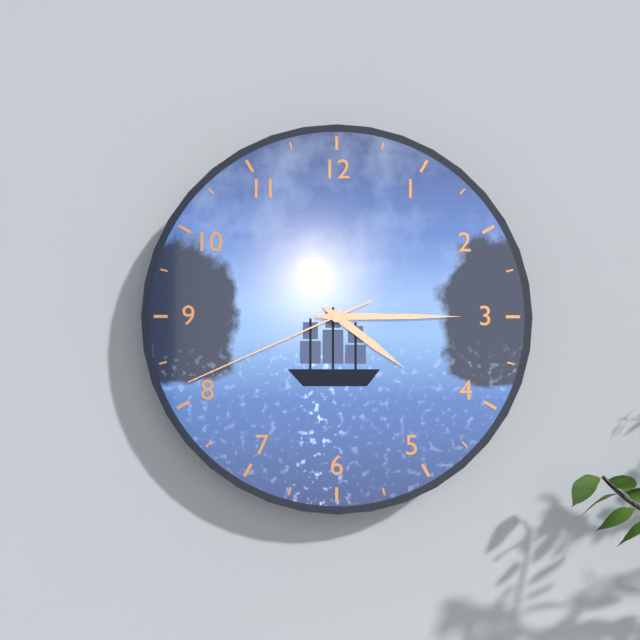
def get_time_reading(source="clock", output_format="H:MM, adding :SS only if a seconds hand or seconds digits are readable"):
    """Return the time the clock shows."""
4:15:41
